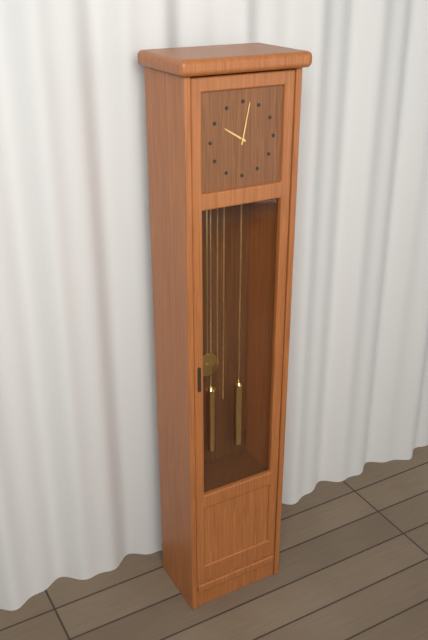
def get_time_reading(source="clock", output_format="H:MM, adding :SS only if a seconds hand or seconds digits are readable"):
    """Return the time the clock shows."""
10:02
